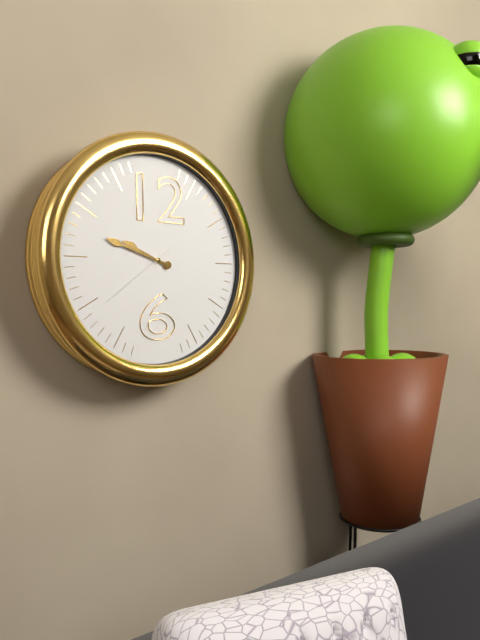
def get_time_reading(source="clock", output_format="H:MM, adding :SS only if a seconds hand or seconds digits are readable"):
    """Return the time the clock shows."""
9:48:39
